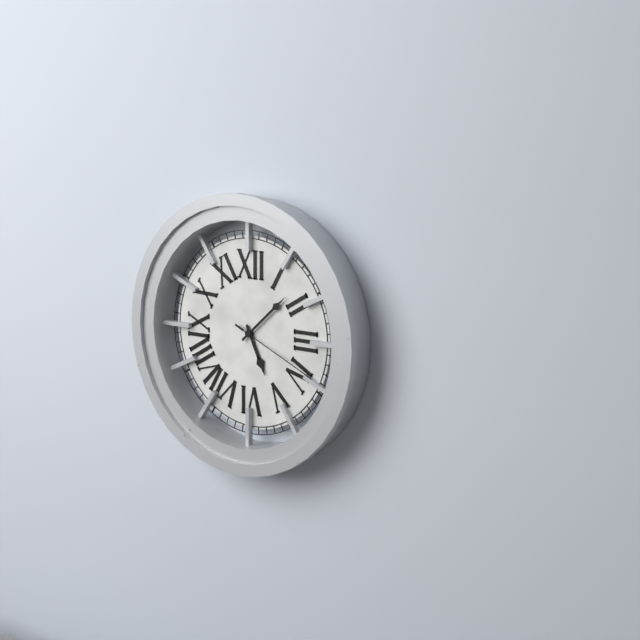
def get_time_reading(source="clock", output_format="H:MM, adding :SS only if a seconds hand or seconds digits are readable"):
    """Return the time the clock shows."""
5:08:19
